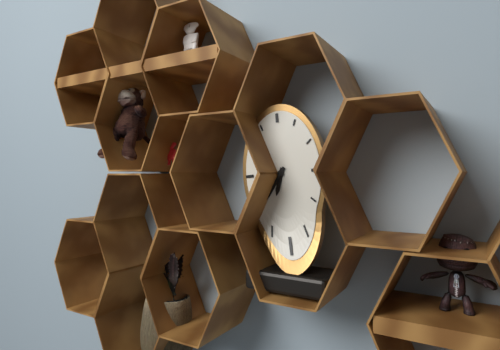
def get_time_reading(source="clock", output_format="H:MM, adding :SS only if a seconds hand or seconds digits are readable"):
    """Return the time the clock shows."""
6:36
